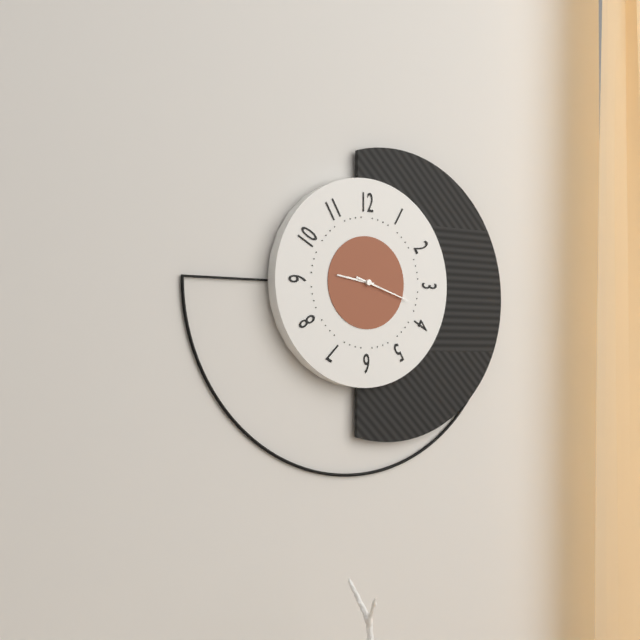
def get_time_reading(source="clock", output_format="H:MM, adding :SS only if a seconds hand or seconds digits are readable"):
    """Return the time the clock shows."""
9:18
